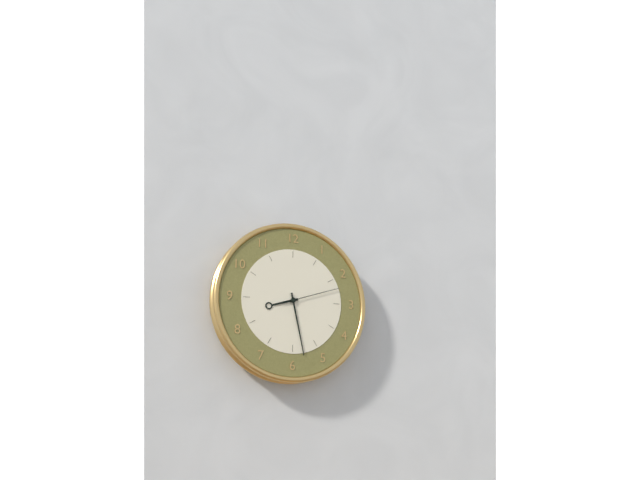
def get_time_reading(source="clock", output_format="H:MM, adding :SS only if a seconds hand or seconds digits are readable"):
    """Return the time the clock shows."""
8:28:12
